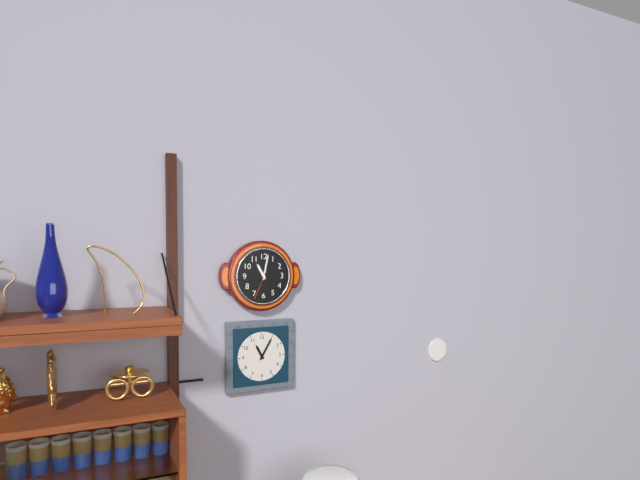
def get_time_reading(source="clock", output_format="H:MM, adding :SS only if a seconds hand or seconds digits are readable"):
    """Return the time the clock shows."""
11:02
